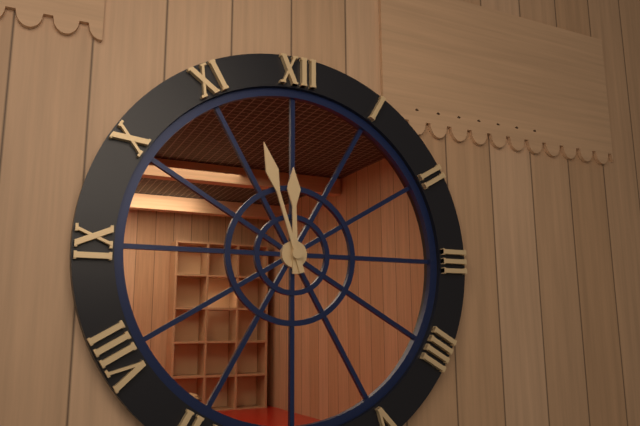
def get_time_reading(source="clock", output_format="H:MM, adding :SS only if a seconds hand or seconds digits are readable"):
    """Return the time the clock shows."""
11:57
